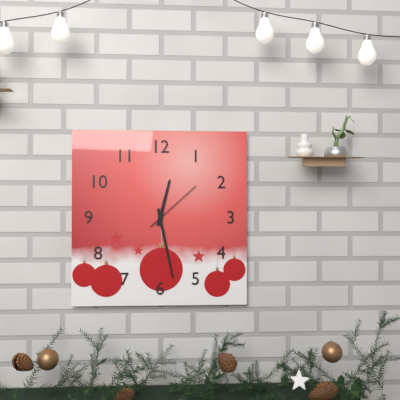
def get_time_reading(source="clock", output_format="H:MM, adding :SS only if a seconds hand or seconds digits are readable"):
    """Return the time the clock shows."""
12:28:08
